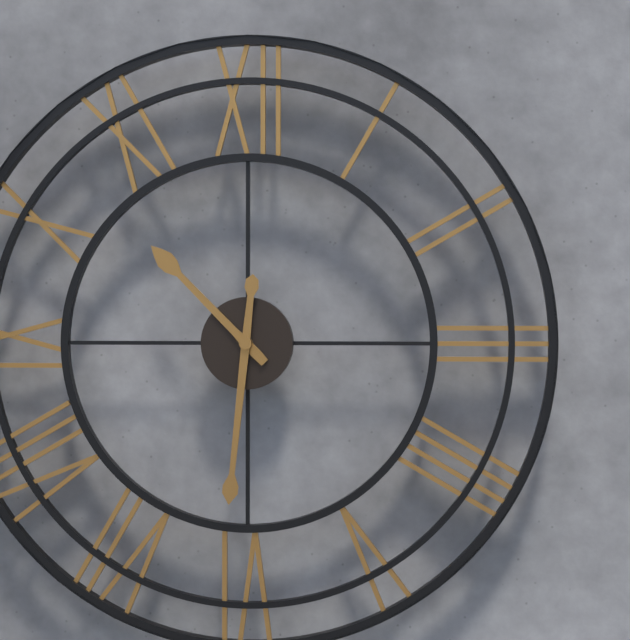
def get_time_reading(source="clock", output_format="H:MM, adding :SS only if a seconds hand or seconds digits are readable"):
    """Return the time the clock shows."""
10:31
